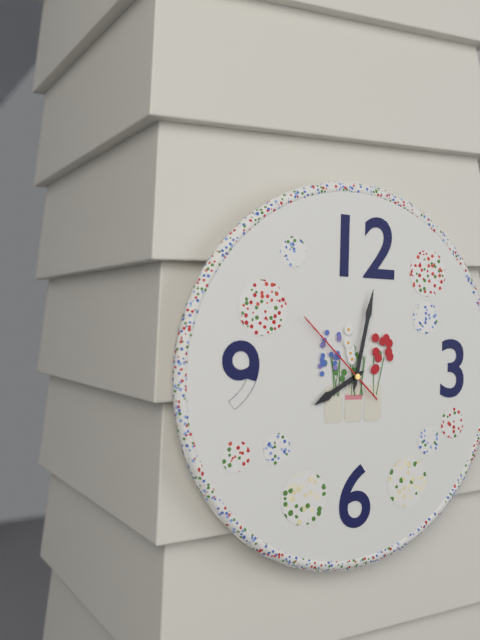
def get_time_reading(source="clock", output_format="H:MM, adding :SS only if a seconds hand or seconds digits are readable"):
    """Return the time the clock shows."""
8:02:52
